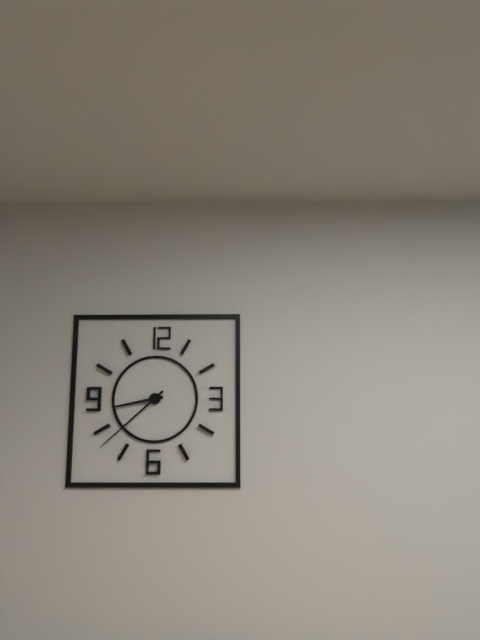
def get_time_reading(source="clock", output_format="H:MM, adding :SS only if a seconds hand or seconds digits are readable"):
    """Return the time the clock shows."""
8:38
